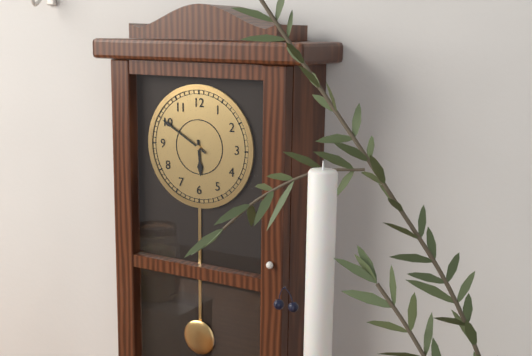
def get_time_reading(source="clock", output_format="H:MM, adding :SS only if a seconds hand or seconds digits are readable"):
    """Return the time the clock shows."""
5:50
